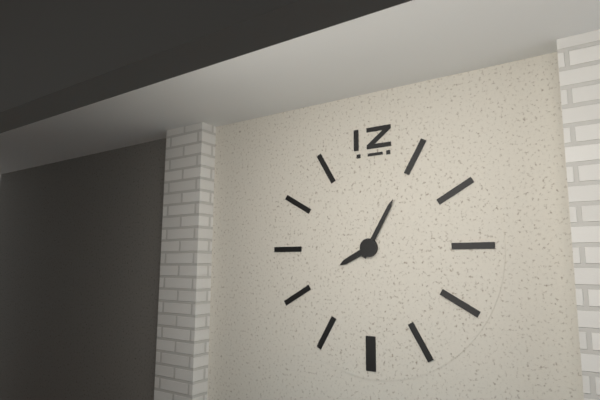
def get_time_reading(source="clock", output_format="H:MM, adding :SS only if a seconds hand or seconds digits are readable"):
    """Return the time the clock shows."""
8:05
